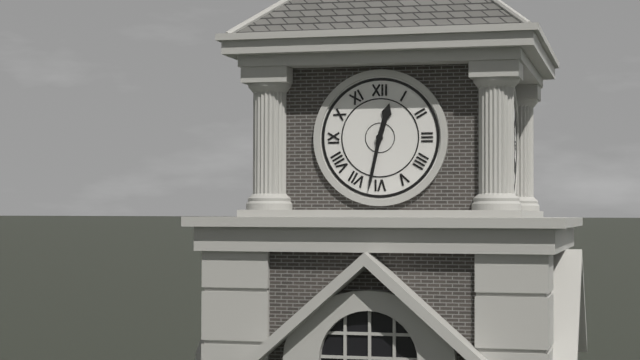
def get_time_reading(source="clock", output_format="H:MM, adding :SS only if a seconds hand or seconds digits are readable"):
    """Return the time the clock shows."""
12:32
